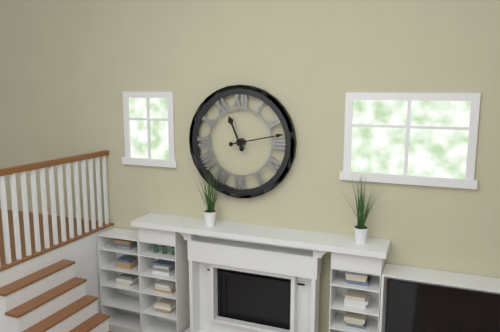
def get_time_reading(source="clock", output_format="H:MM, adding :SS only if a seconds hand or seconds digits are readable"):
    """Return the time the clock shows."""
11:13
